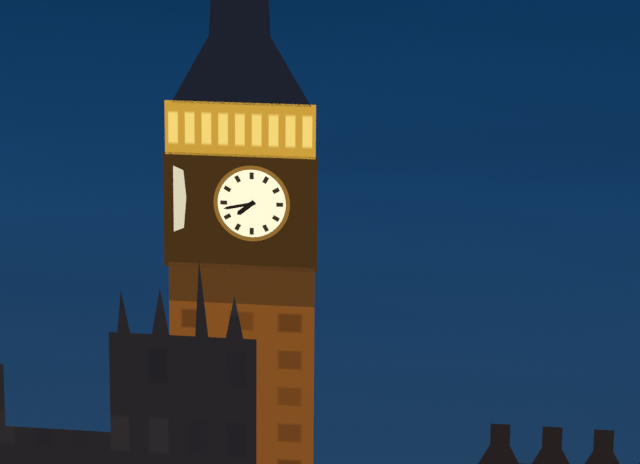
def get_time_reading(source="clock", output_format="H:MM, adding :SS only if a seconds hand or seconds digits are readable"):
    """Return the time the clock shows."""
7:43
